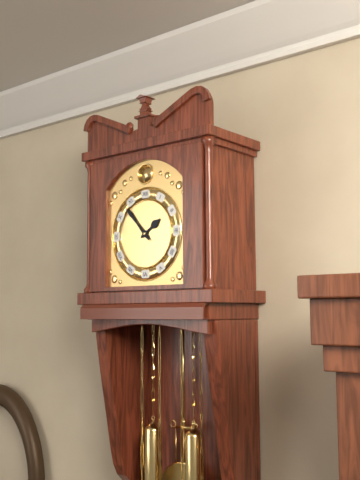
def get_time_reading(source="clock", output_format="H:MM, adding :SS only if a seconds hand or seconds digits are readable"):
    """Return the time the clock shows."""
1:53
